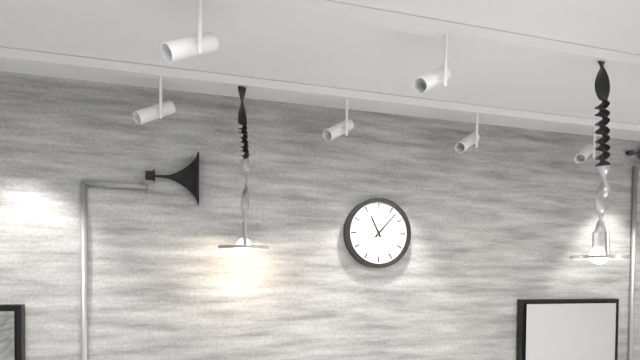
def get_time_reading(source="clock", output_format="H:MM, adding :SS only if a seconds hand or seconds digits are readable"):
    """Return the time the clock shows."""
11:07
